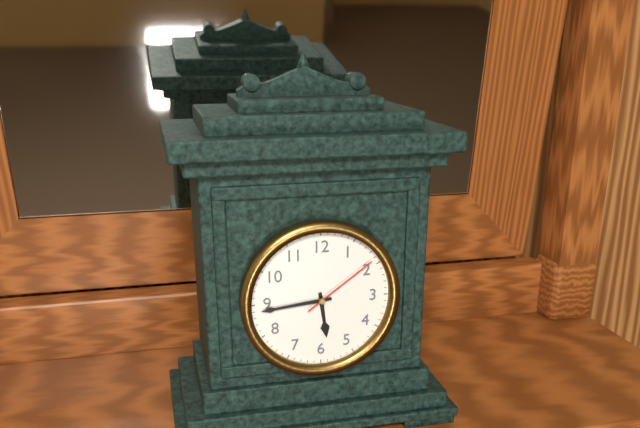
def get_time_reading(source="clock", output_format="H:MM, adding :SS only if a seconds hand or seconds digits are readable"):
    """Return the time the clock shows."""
5:44:09
